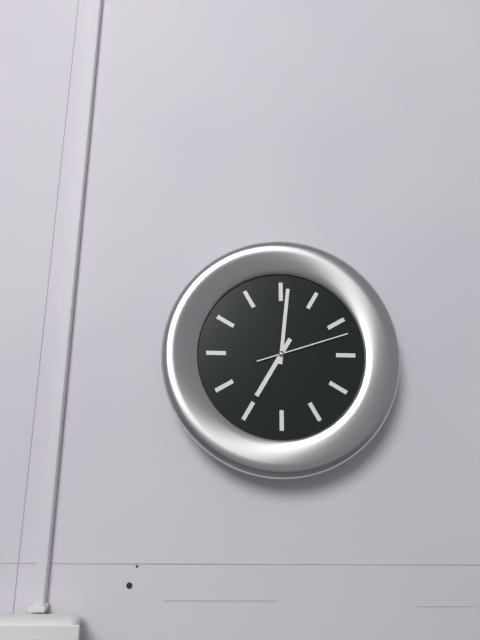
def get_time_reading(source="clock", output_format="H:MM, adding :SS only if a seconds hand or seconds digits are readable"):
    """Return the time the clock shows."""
7:01:12
